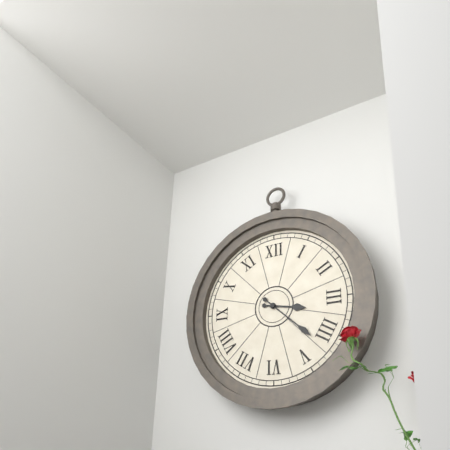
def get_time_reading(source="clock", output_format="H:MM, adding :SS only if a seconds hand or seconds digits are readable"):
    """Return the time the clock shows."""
3:22
